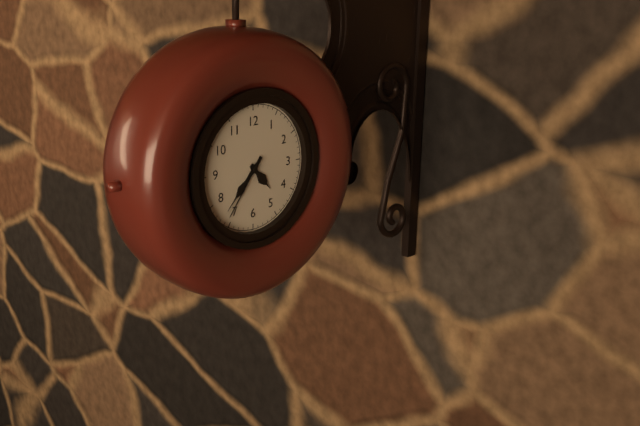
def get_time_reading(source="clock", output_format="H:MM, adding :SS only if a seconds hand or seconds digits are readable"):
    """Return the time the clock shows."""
4:37:36
